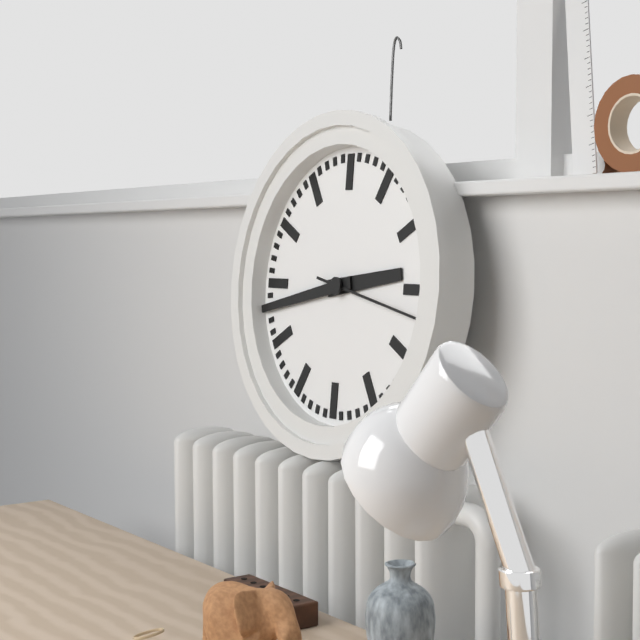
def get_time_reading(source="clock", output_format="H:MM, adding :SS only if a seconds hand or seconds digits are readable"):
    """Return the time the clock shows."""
2:43:17
